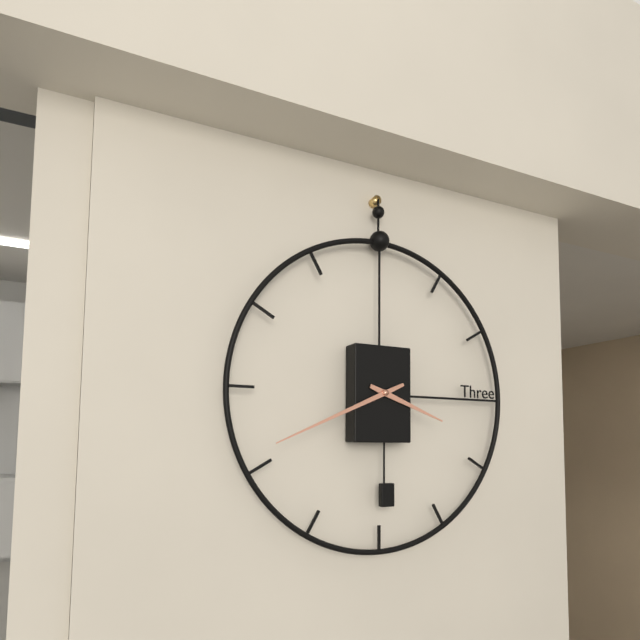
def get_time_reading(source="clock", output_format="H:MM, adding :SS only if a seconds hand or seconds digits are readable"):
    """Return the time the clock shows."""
3:41
